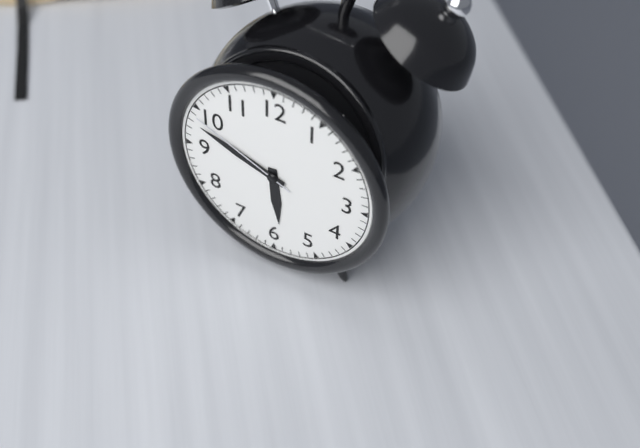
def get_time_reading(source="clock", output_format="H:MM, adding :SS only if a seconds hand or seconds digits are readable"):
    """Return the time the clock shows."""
5:48:49
